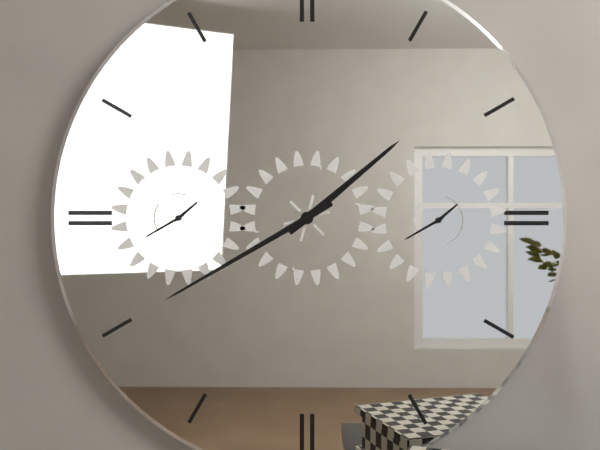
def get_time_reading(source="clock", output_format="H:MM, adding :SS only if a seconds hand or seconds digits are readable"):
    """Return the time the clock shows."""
1:40
